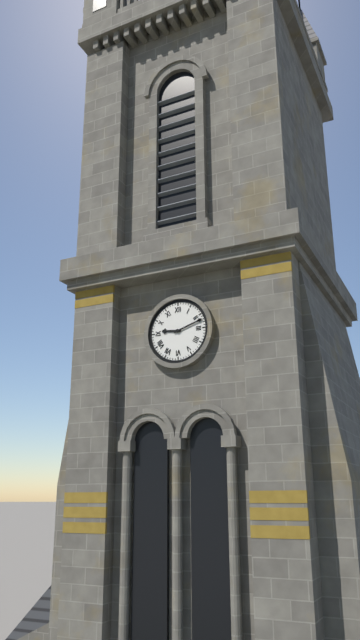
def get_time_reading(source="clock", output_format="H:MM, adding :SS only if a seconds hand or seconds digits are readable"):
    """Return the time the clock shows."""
9:12
